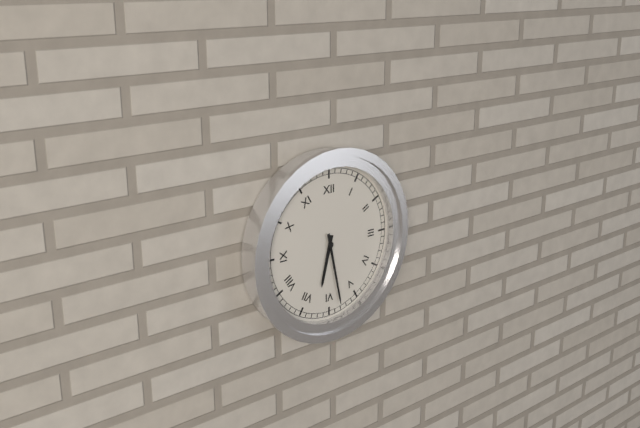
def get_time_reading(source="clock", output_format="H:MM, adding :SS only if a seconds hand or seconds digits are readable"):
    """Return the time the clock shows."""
6:28
